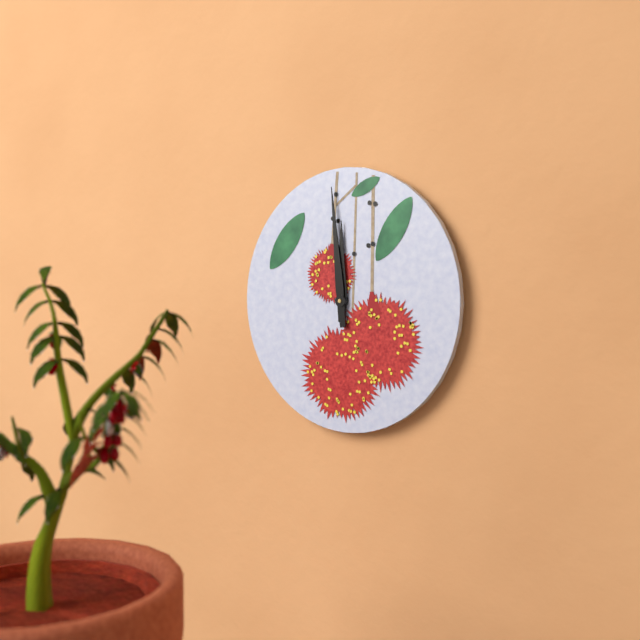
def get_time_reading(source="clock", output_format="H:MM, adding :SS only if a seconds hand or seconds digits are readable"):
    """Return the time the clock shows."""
11:59
